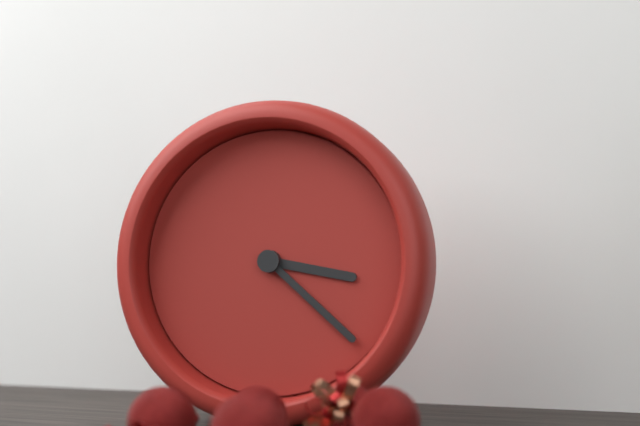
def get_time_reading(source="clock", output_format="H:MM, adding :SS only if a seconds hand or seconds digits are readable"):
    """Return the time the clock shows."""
3:22
